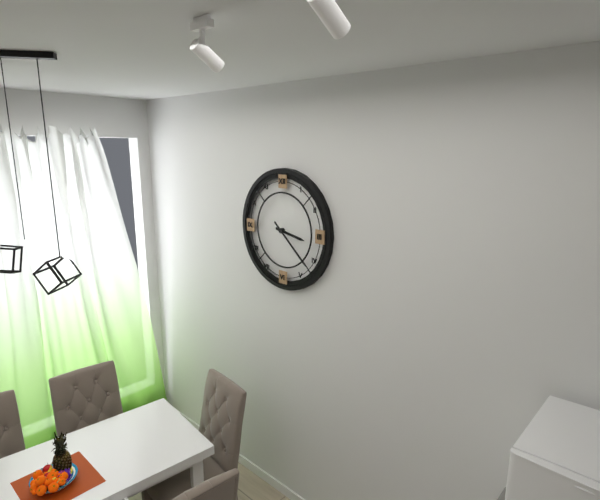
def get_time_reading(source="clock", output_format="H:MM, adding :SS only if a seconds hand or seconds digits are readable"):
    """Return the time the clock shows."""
3:22
